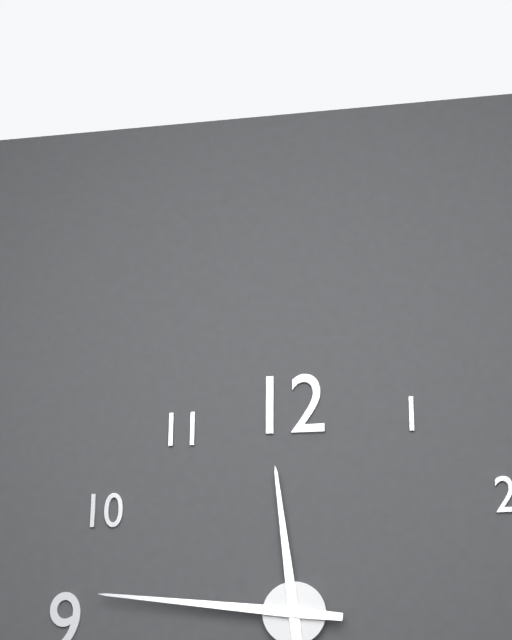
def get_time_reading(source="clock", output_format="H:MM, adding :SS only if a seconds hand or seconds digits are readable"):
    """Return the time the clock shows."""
11:46
